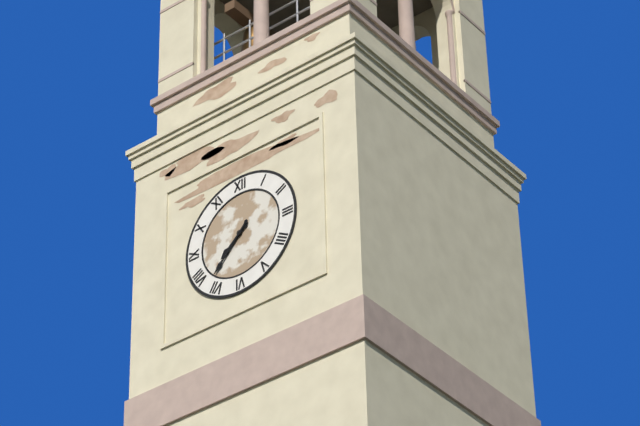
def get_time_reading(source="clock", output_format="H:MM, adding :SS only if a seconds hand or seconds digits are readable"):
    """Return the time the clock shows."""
7:37
